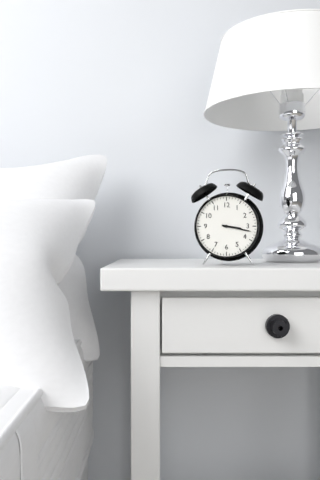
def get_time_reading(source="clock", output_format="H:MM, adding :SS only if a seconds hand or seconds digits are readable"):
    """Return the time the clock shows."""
3:17
